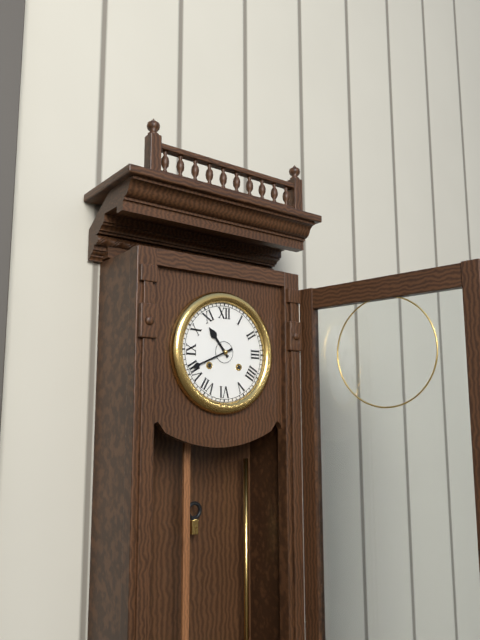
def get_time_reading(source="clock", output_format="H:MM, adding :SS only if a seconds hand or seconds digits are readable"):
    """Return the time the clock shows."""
10:41
